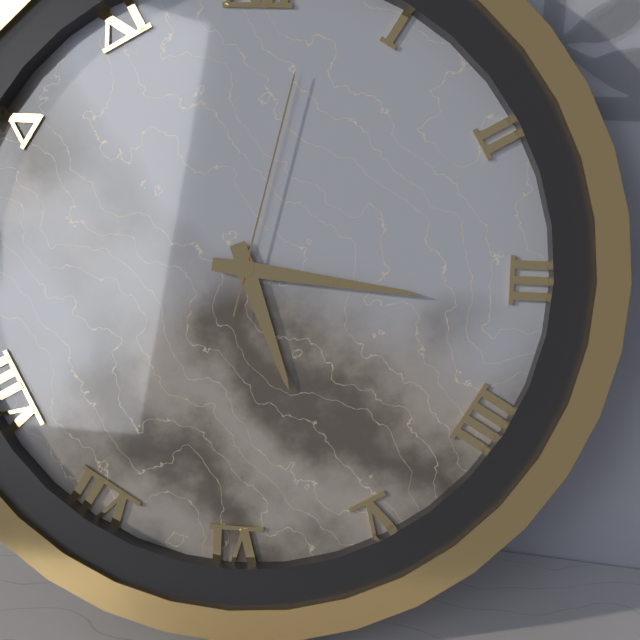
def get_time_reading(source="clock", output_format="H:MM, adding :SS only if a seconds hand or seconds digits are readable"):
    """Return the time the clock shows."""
5:16:02
